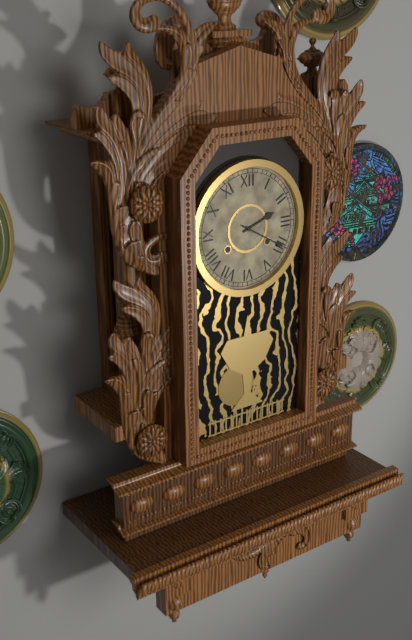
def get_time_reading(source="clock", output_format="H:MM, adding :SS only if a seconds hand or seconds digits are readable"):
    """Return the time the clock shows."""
2:20
